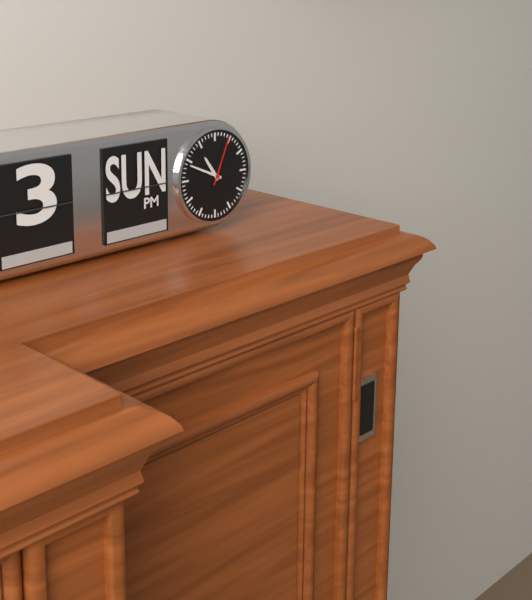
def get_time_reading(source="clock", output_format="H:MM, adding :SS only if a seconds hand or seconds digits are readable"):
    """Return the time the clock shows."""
10:49:04
